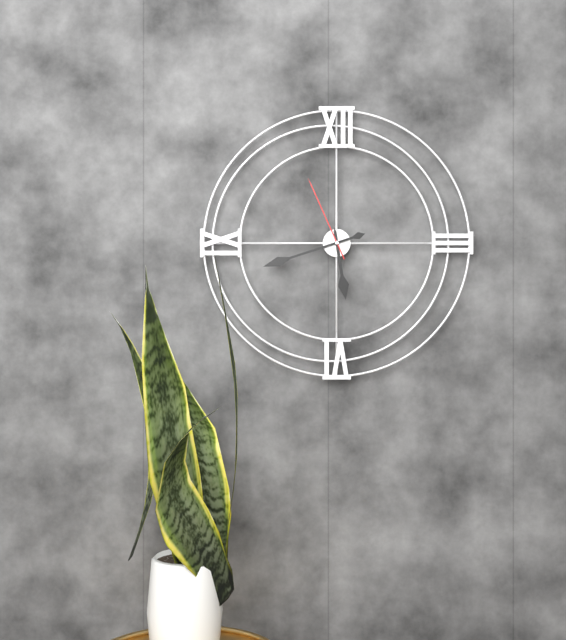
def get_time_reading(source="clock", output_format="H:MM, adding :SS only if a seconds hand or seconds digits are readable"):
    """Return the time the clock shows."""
5:42:56
